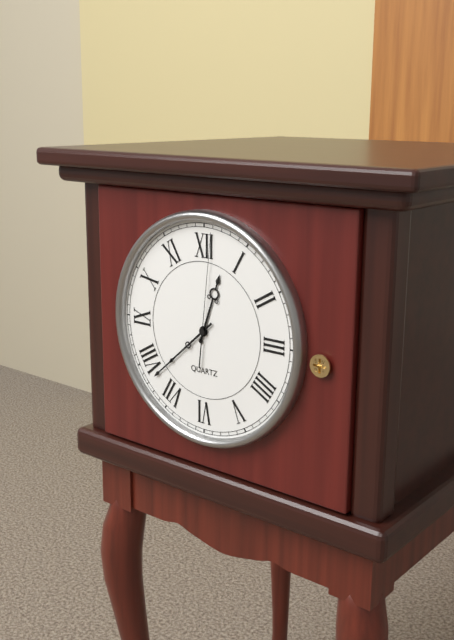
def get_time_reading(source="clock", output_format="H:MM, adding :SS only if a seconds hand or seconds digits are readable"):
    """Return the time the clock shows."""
12:38:01
